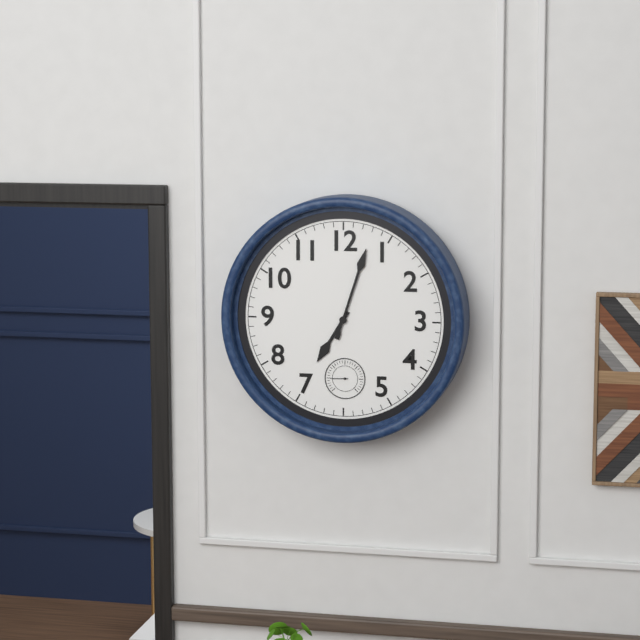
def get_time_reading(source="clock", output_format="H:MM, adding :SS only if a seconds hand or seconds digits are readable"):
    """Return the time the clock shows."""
7:03
